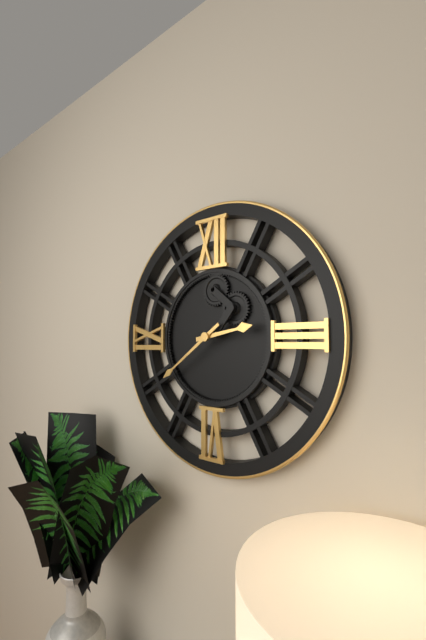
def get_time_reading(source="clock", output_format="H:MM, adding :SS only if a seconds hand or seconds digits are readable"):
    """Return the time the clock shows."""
2:39
